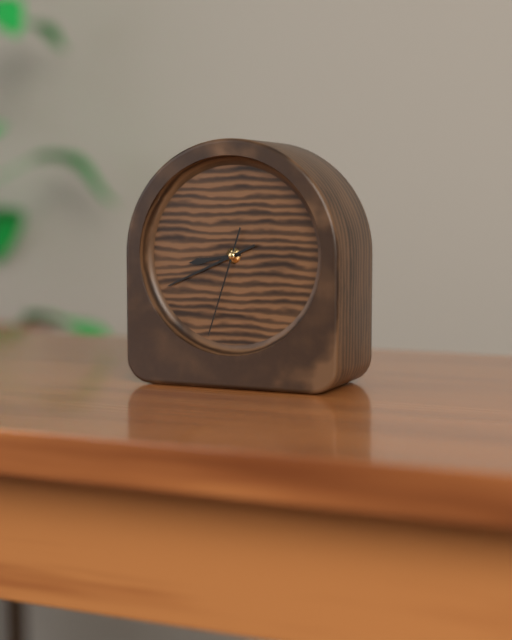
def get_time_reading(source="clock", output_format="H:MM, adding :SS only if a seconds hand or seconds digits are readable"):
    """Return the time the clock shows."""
8:41:33
